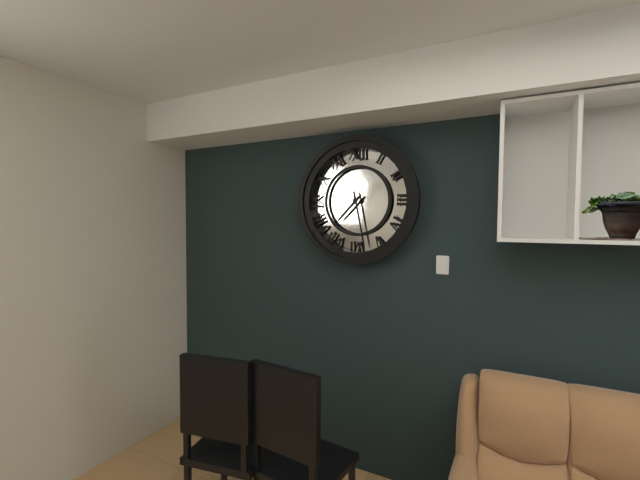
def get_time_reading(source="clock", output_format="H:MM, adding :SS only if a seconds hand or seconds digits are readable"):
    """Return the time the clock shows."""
7:28
